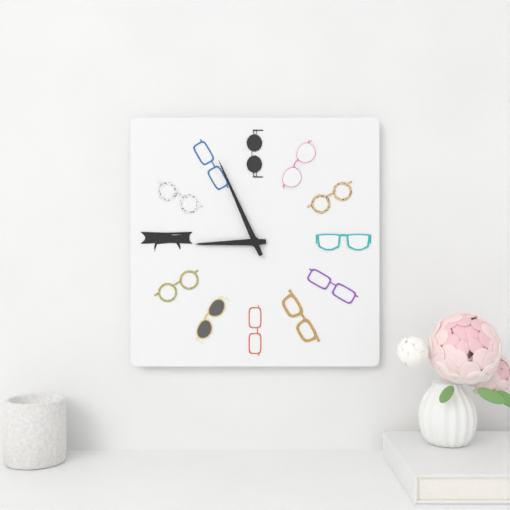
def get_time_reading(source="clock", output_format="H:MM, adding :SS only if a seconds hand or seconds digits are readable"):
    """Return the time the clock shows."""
8:56
